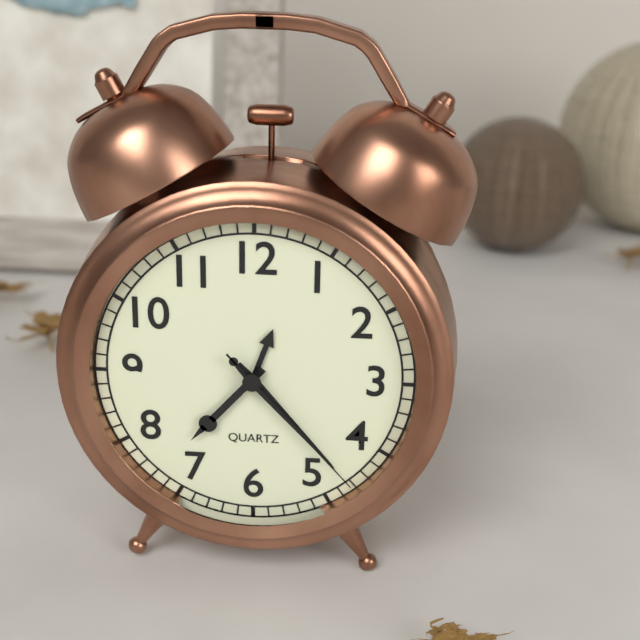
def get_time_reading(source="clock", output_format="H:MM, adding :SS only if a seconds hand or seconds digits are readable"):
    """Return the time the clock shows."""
7:23:23
